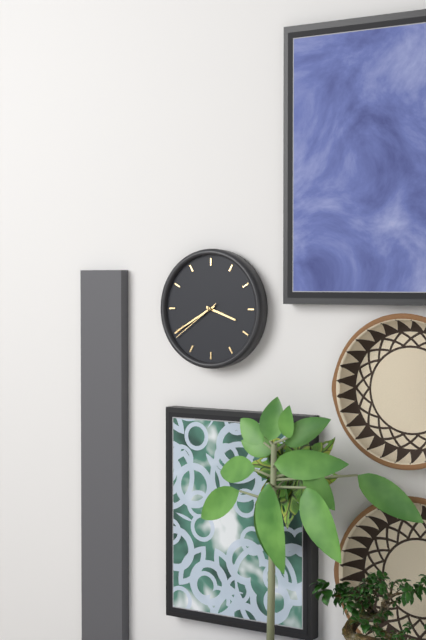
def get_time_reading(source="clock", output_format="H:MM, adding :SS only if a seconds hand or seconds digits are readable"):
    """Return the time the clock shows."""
3:40:39
